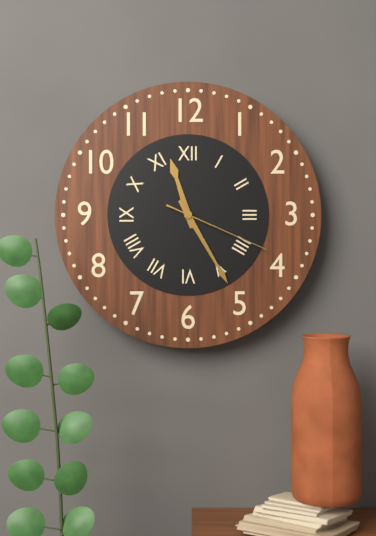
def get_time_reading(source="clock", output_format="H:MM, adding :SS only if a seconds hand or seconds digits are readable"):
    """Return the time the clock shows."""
11:25:19
